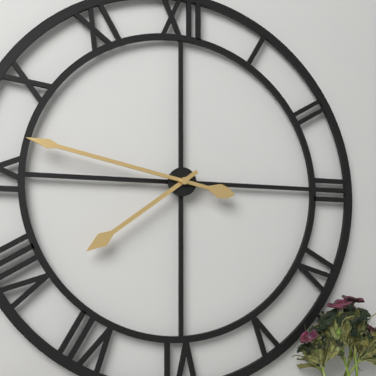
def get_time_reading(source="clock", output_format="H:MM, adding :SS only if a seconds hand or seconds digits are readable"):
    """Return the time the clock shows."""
7:47
